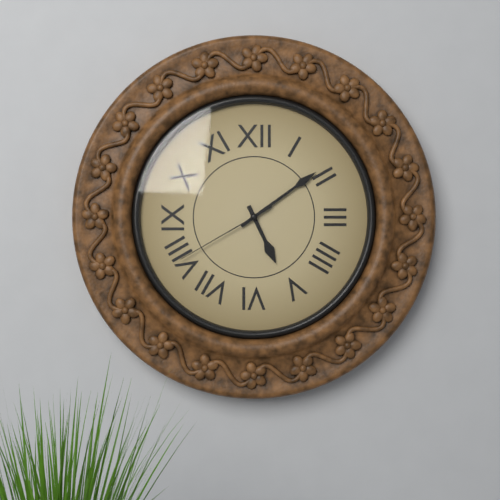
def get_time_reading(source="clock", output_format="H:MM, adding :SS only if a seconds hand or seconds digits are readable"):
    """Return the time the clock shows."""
5:09:40
